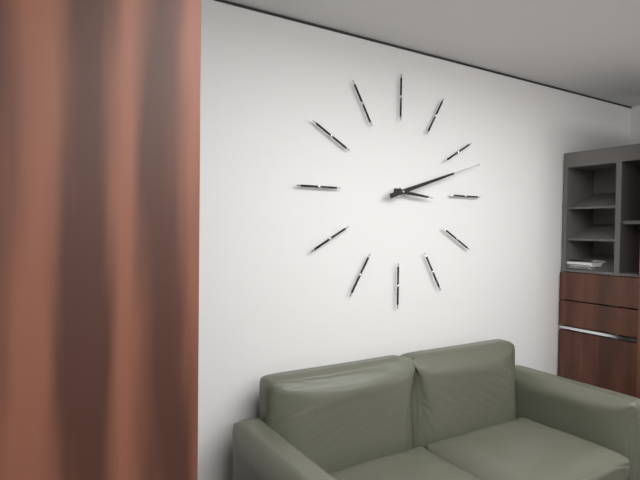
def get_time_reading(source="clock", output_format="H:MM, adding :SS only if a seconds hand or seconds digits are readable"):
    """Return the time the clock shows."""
3:12
